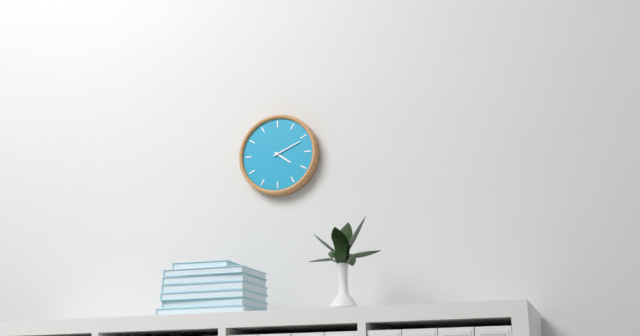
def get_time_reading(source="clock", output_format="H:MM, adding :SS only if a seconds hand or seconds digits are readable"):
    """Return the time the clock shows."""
4:11
